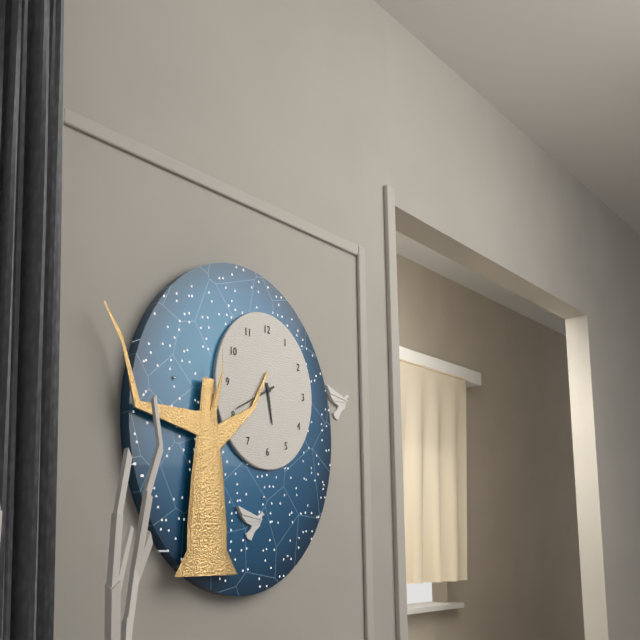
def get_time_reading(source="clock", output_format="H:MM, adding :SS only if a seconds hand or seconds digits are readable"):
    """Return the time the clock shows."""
5:40
